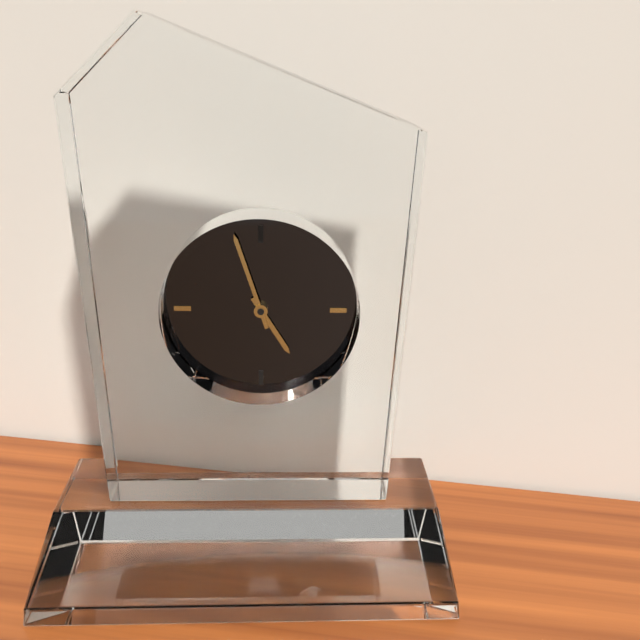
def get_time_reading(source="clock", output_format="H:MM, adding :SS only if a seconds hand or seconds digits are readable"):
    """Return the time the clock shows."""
4:57
